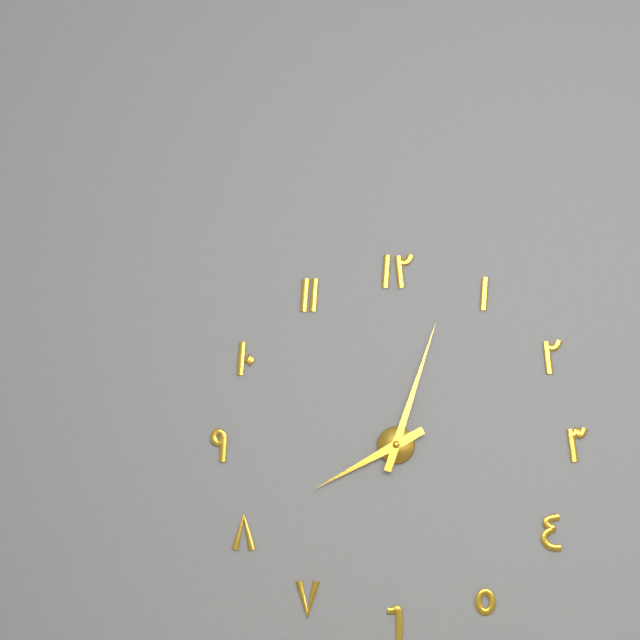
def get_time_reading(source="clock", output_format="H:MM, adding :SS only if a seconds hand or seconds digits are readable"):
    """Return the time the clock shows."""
8:03
